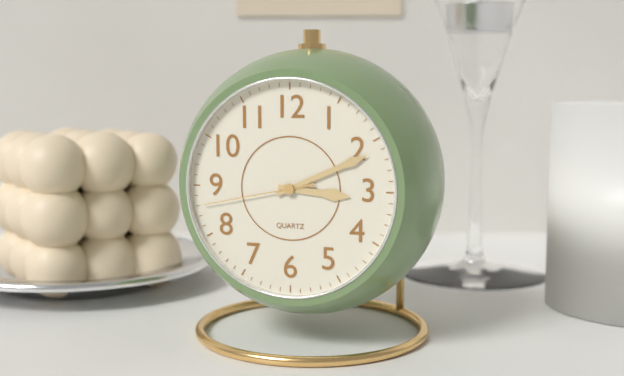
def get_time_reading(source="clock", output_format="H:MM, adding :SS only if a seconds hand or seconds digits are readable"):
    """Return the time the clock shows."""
3:11:43
